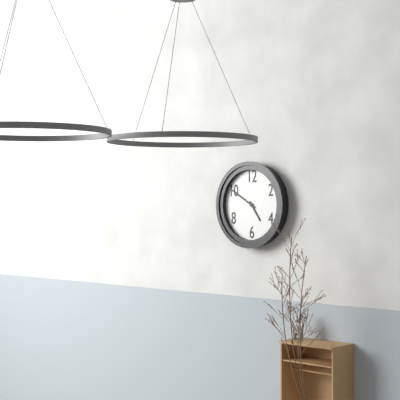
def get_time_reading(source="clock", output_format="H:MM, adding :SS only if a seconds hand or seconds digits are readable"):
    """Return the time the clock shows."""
4:50
